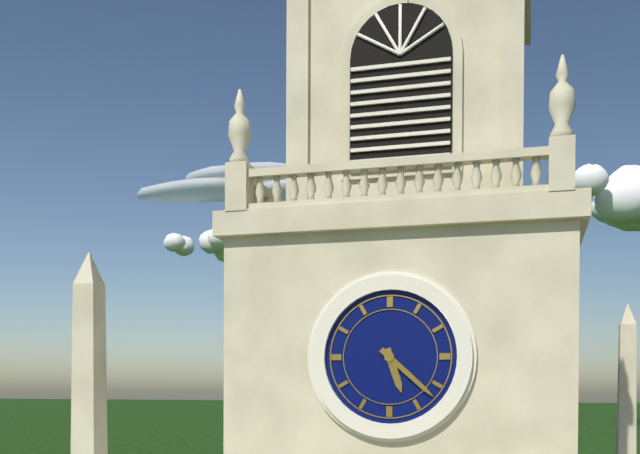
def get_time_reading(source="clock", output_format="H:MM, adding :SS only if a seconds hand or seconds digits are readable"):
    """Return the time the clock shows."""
5:22
